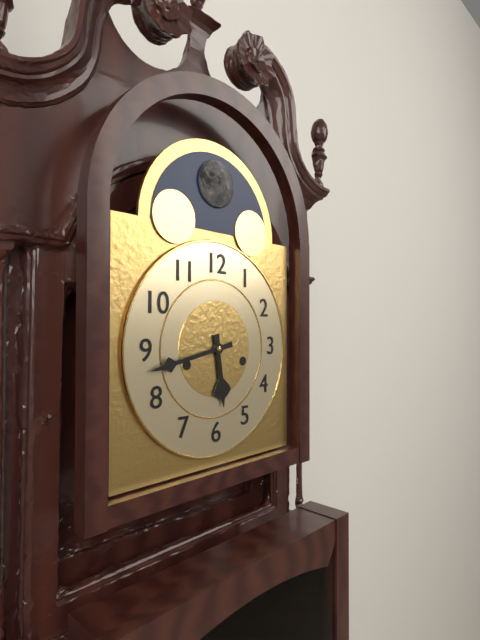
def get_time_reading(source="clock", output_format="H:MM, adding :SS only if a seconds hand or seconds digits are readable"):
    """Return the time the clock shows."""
5:43
